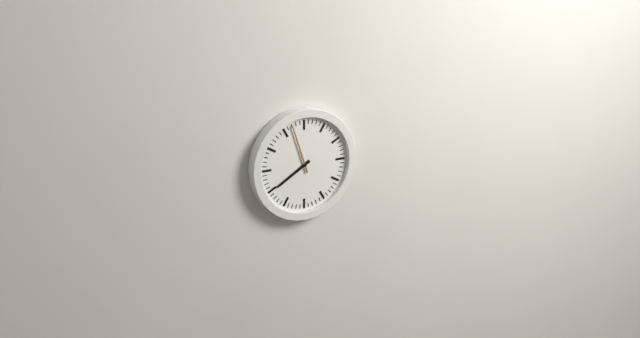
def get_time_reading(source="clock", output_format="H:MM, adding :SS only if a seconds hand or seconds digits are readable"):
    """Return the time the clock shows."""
7:57
